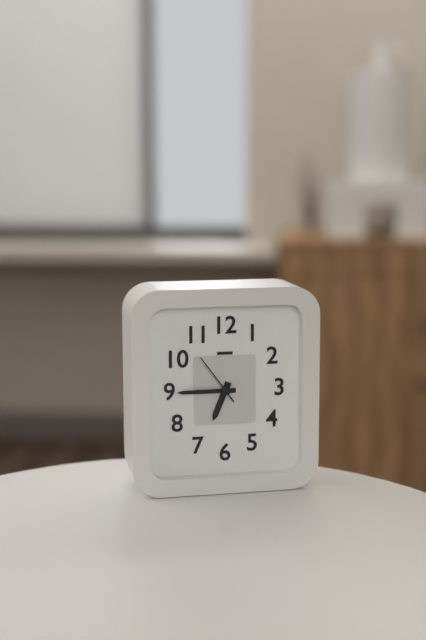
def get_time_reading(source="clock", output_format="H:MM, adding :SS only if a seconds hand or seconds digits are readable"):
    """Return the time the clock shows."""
6:45:54
